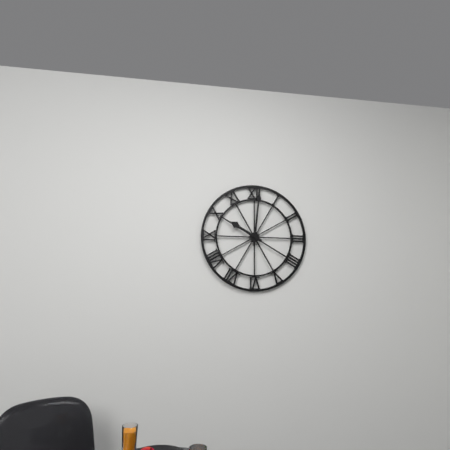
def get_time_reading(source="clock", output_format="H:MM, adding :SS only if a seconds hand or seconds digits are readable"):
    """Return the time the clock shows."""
10:01
